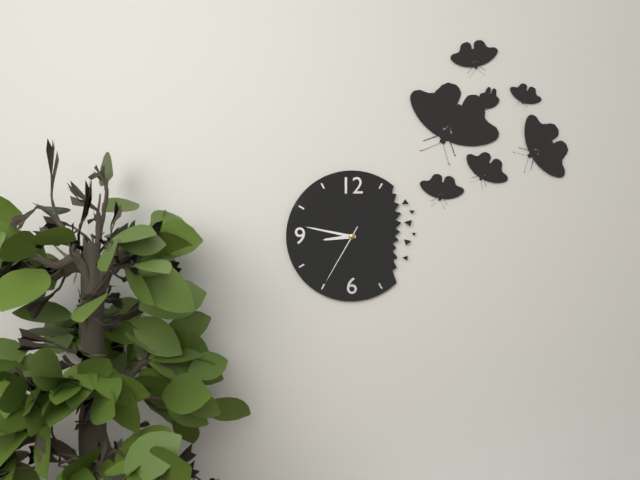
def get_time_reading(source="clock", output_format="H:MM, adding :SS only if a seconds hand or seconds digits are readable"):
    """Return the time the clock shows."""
8:47:35
